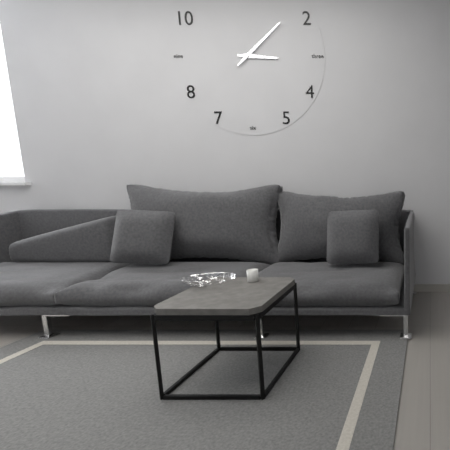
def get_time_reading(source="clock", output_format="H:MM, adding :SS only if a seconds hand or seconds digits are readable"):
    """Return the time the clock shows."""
3:08
